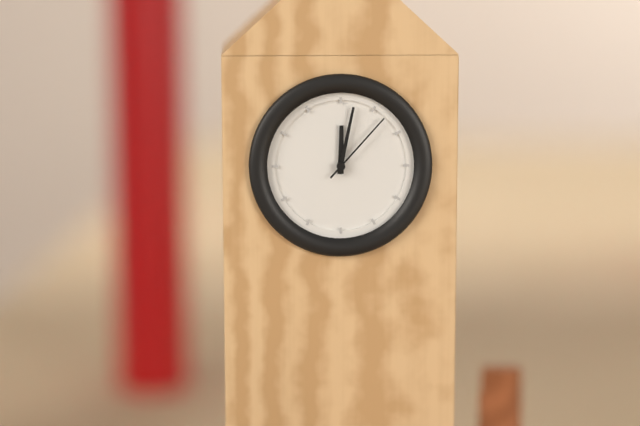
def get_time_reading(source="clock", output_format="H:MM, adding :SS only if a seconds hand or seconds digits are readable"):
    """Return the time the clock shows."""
12:02:07
